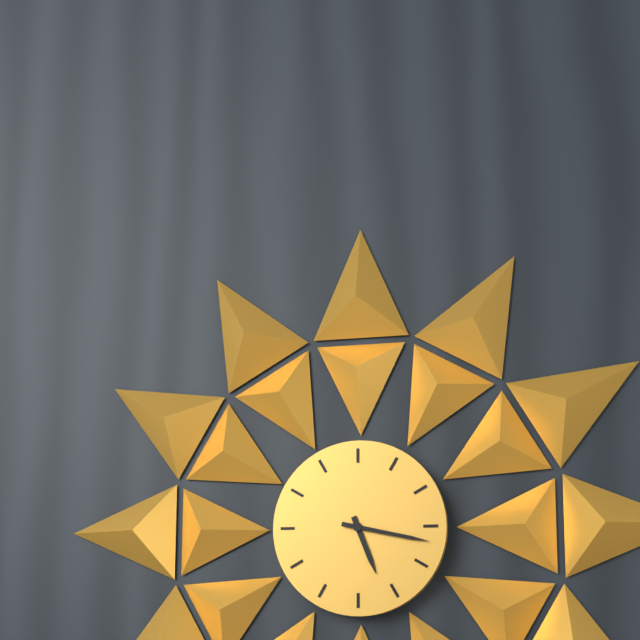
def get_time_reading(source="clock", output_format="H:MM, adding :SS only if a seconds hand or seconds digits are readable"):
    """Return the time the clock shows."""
5:17
